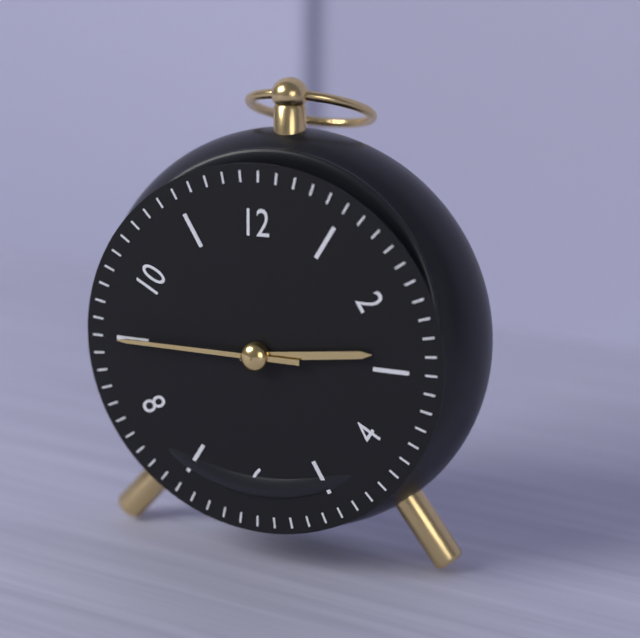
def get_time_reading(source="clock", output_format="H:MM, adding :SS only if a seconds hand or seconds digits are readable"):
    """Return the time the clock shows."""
2:45
